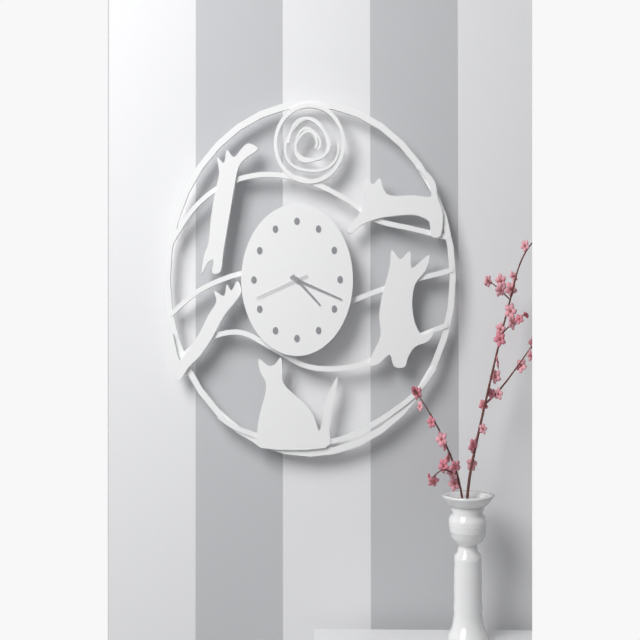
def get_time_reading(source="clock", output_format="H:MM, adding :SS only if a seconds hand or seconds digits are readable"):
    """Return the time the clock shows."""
4:18:42
